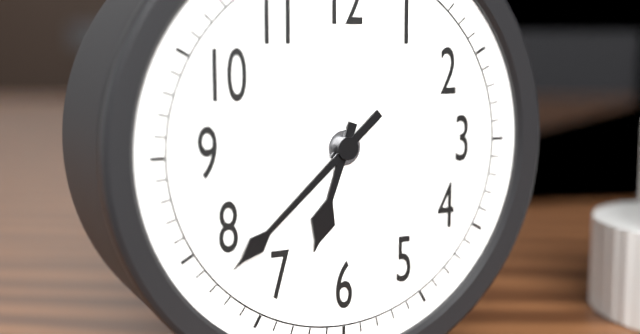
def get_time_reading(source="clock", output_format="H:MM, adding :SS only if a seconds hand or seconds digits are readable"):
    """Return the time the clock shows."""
6:38
